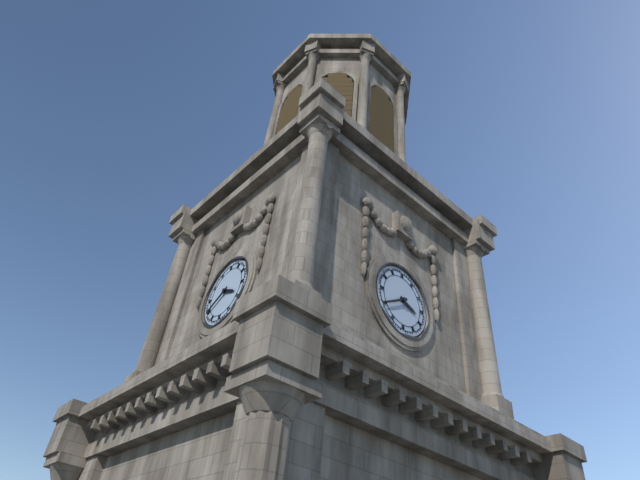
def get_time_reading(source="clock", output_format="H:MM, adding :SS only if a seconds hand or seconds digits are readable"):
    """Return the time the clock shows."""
3:40
